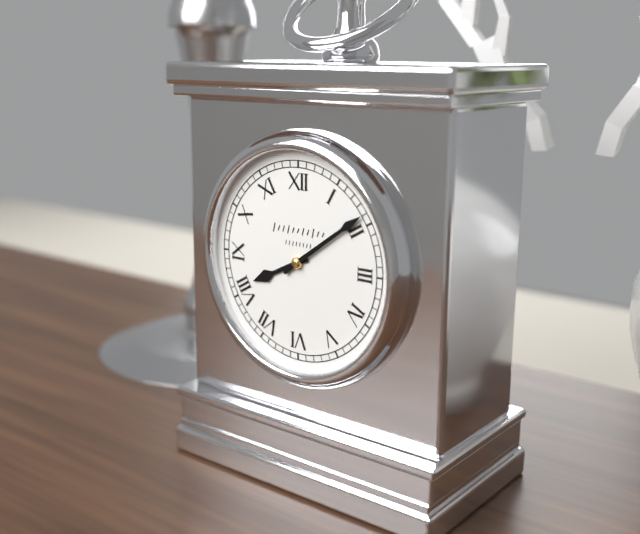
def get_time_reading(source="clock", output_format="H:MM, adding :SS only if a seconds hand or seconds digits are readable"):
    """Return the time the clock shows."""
8:09
